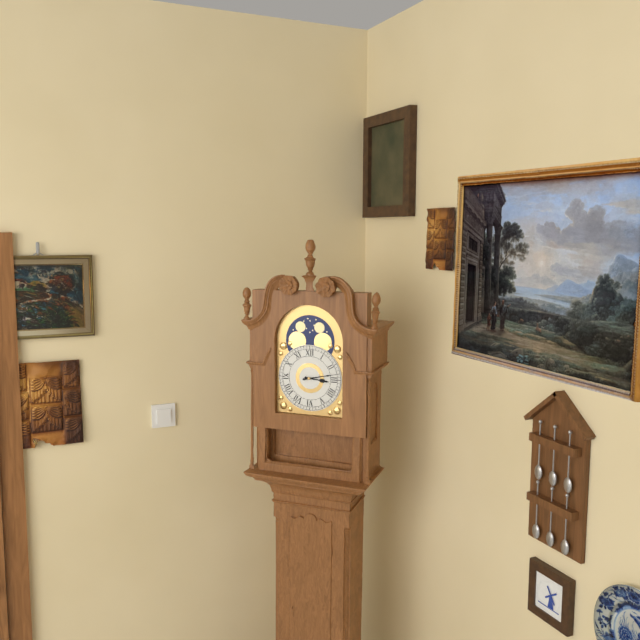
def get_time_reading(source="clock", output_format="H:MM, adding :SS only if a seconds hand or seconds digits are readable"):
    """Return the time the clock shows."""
3:13
